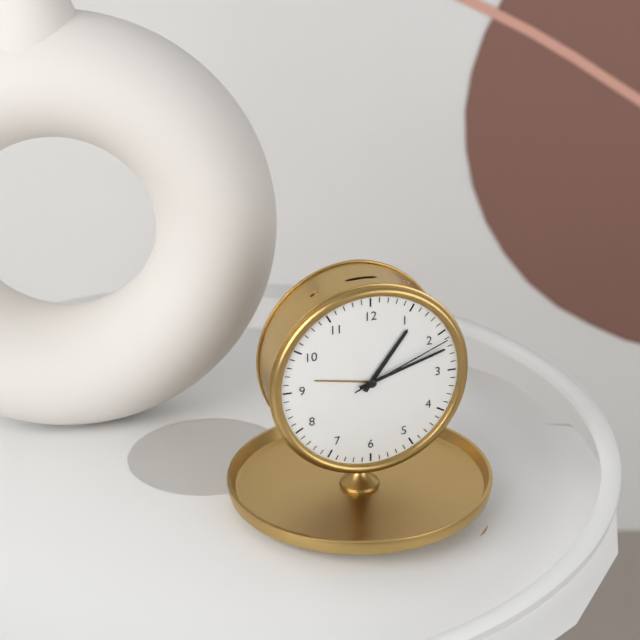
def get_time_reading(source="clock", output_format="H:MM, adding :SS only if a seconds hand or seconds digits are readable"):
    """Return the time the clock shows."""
1:12:11
